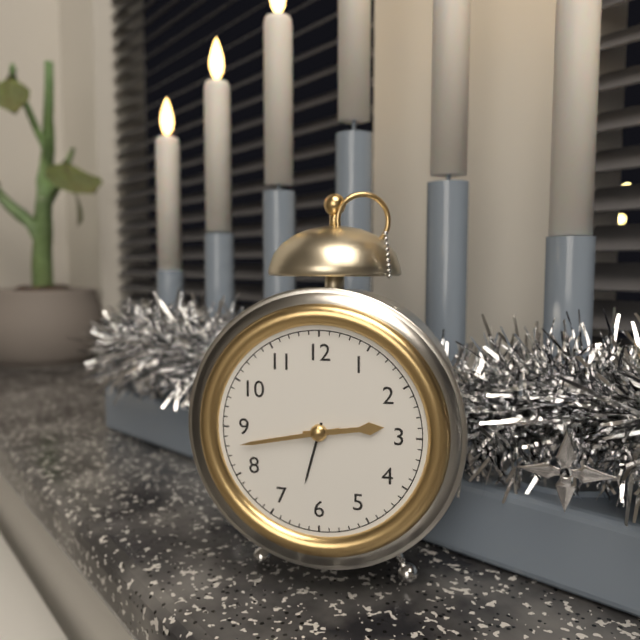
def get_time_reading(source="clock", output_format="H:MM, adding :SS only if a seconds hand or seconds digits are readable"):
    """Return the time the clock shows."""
2:43
